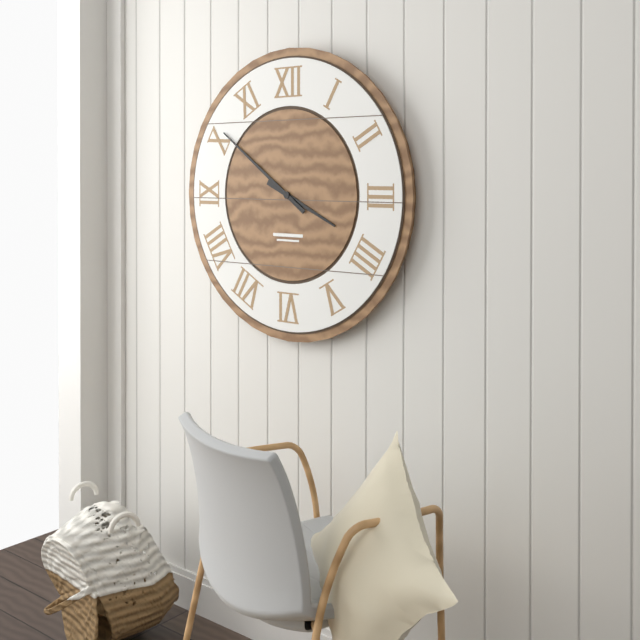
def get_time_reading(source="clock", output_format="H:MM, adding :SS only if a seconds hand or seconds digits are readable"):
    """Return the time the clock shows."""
3:51
